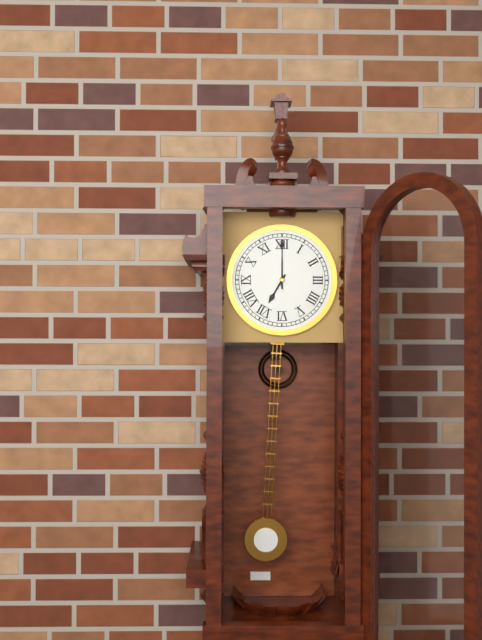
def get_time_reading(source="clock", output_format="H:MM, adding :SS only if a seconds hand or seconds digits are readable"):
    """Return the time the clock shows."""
7:00
